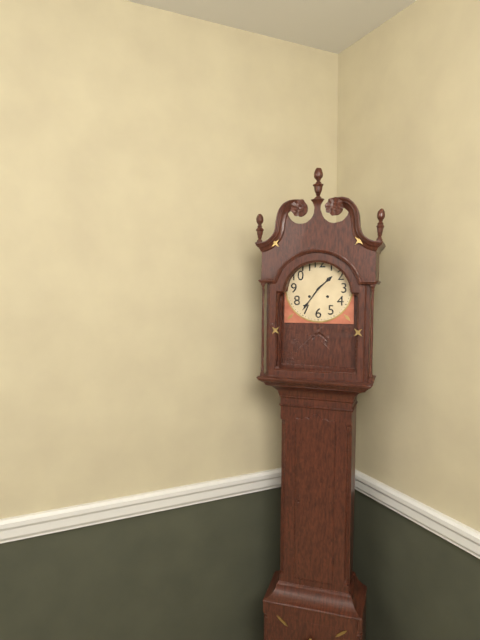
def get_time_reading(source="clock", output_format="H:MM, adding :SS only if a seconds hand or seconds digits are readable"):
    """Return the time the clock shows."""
1:36
